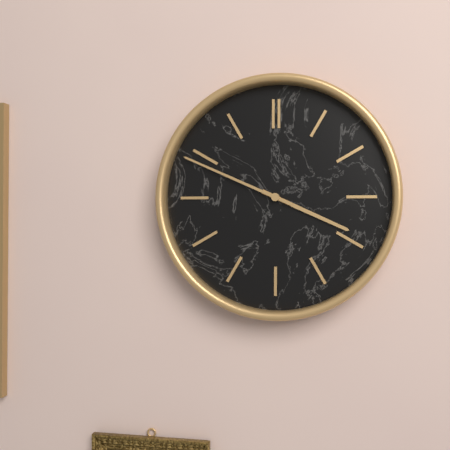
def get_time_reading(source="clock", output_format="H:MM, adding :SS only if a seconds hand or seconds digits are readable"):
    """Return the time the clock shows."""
3:49
